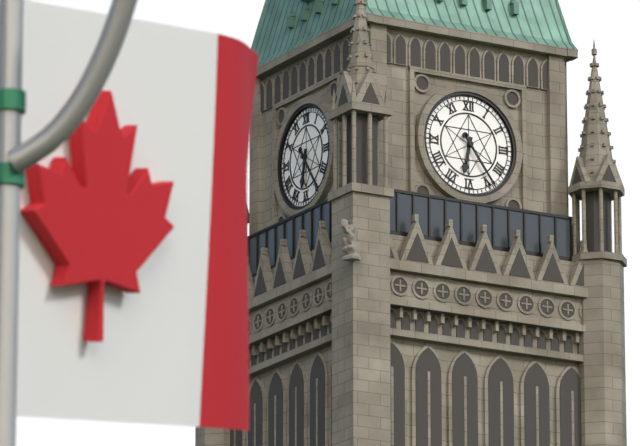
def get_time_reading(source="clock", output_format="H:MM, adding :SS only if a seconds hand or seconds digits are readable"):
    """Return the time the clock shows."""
6:24
